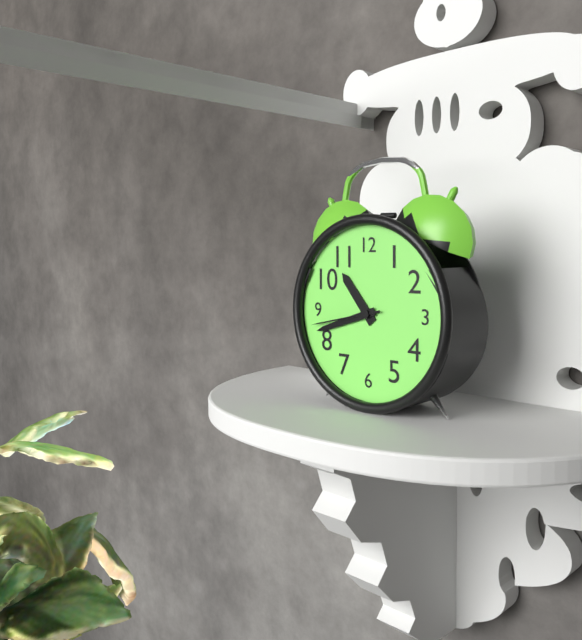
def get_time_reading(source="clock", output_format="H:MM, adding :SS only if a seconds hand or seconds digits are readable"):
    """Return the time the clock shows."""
10:42:43
